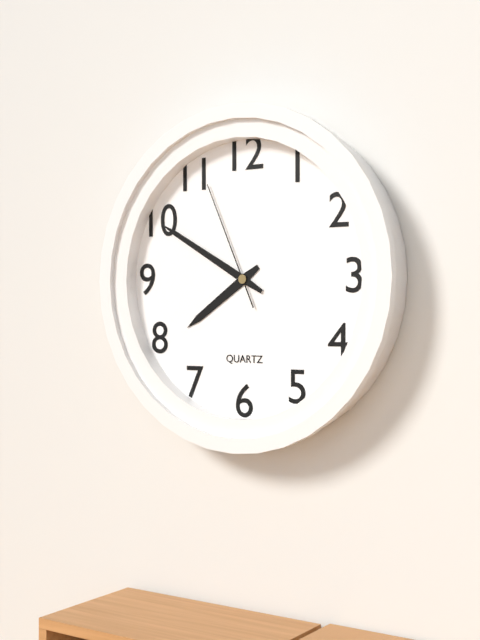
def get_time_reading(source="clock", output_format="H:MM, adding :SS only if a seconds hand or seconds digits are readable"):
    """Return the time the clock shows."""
7:50:56
